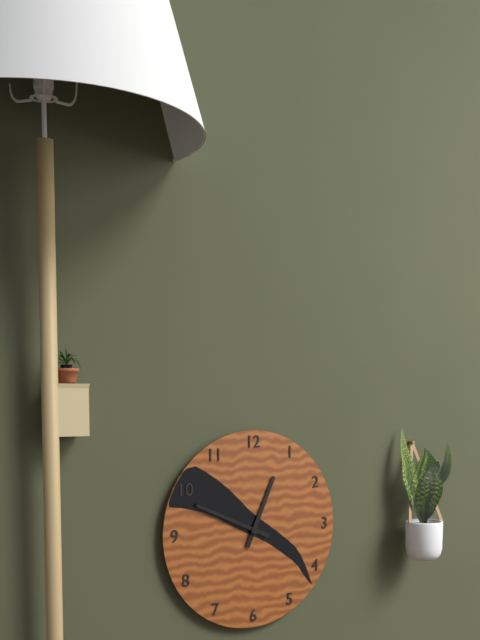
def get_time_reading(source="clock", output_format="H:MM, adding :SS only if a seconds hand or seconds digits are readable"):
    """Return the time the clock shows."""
12:49
